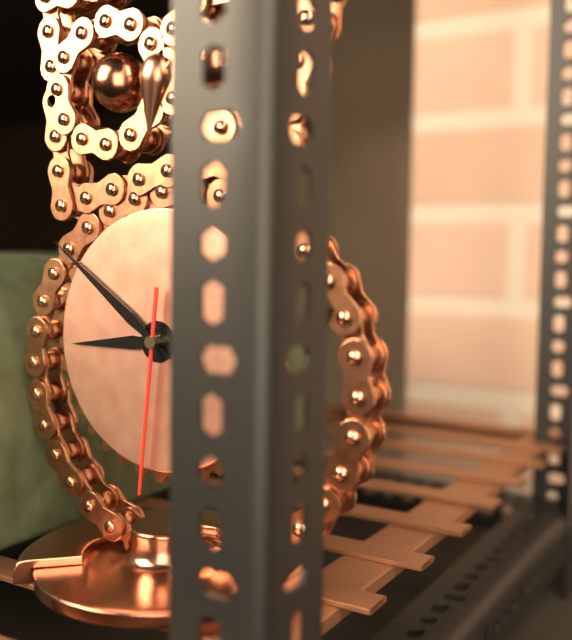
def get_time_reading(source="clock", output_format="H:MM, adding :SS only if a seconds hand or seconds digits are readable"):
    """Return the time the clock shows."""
8:51:31
